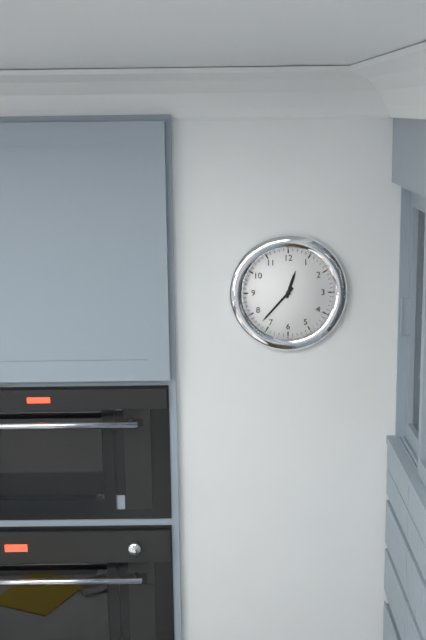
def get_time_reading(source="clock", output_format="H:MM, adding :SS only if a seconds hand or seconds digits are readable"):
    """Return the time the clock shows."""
12:37
